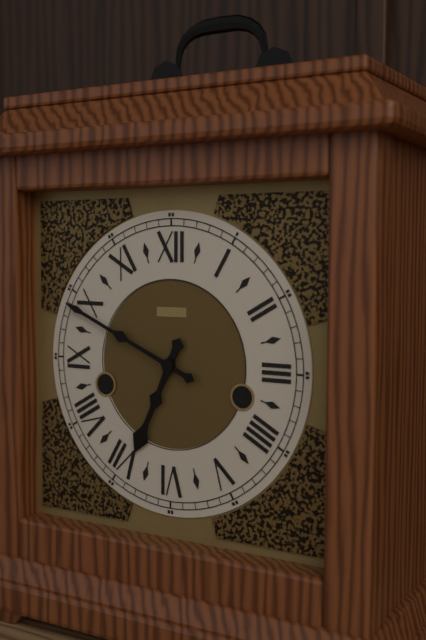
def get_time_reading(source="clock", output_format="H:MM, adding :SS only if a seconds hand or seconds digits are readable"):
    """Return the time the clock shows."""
6:49
